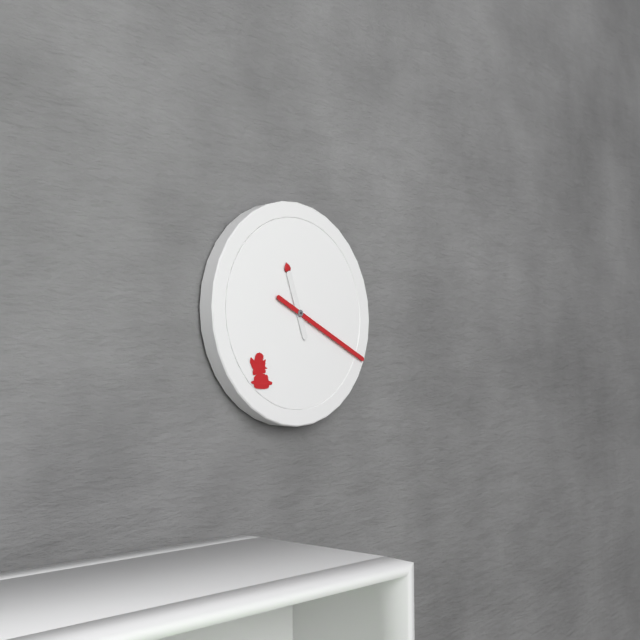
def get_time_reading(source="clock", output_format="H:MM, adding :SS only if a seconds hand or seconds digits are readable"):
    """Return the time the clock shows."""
11:19
